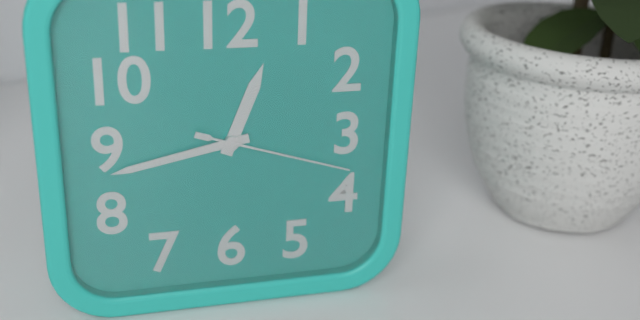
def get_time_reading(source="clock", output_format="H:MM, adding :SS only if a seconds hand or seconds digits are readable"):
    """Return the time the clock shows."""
12:43:18
